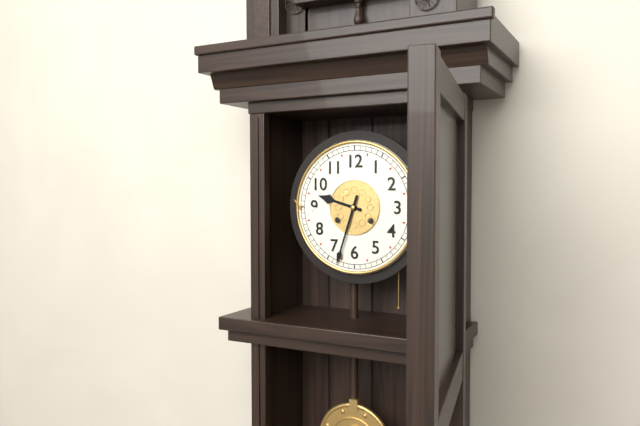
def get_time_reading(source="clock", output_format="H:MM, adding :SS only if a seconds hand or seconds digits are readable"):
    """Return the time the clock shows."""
9:33
